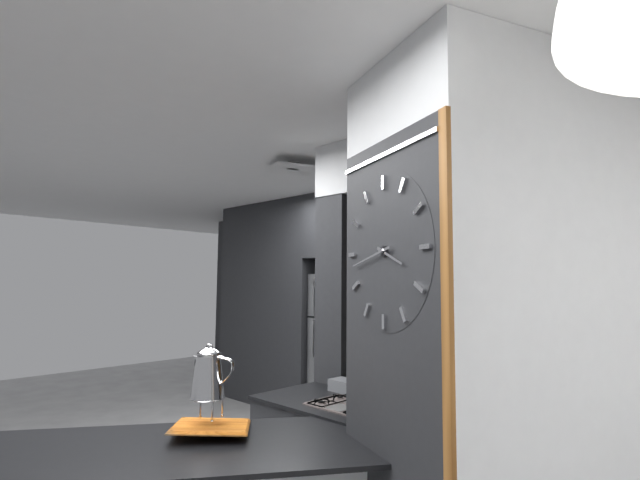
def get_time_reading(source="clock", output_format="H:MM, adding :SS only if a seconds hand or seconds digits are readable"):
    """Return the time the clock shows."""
3:43
